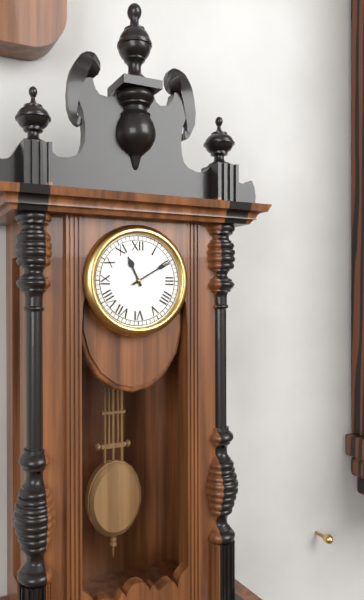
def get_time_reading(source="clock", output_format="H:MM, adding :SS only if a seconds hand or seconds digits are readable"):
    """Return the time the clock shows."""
11:10
